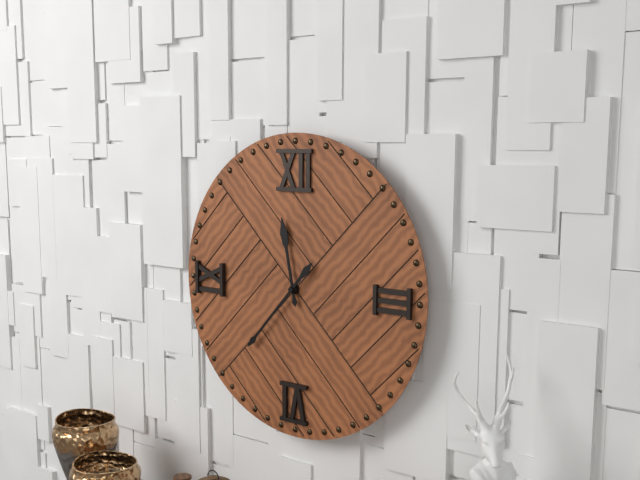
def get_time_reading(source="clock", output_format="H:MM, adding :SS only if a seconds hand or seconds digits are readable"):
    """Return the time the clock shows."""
11:37
